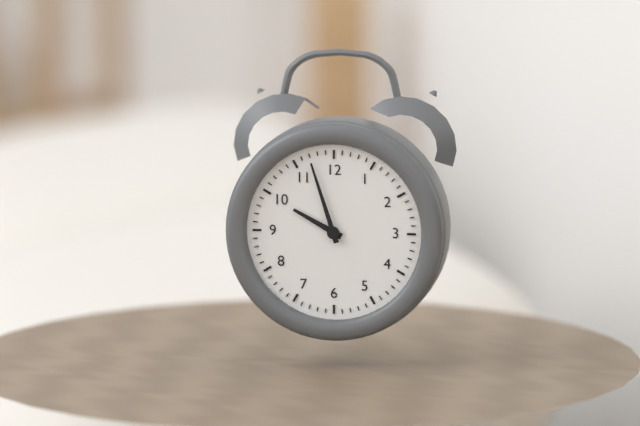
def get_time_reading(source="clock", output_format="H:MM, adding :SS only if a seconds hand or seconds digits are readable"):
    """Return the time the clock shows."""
9:57
